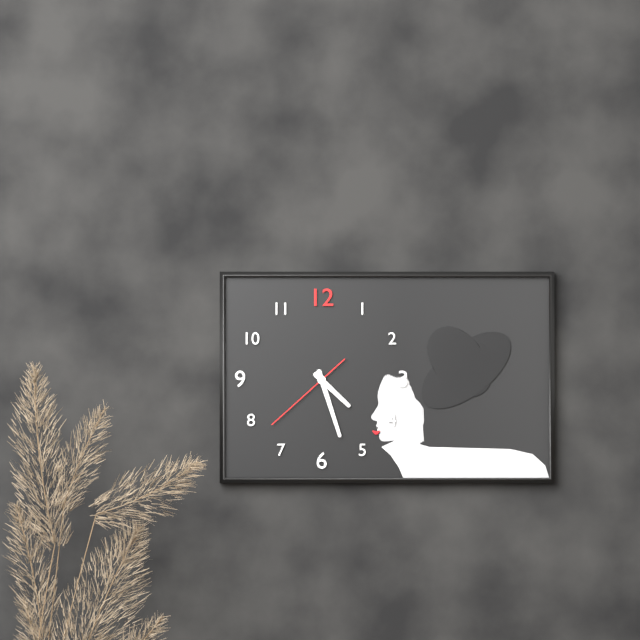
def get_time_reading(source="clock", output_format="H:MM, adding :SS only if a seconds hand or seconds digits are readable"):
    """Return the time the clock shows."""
4:27:38
